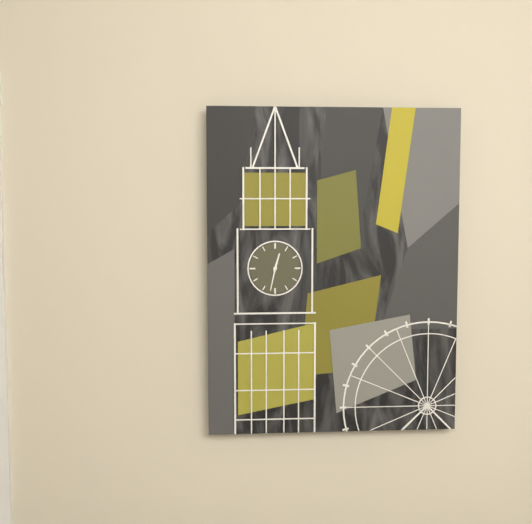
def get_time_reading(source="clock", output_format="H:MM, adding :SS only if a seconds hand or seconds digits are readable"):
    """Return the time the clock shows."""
12:32
